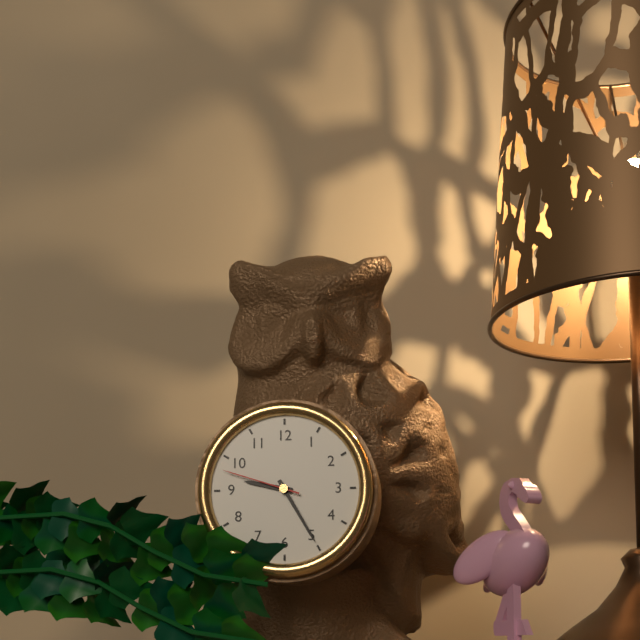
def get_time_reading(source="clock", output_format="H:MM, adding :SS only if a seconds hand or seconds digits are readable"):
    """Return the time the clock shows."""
9:25:48
